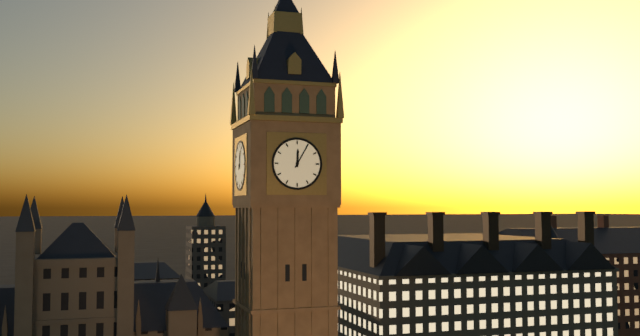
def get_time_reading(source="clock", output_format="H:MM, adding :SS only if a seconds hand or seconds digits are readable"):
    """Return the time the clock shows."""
12:05
